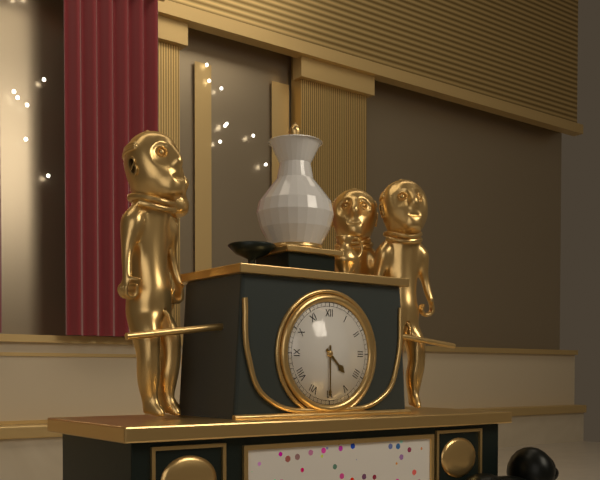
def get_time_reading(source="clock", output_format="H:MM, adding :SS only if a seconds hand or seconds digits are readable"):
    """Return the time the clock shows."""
4:30
